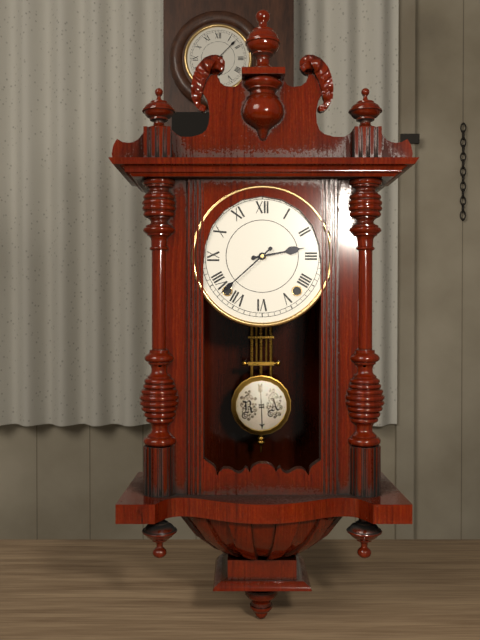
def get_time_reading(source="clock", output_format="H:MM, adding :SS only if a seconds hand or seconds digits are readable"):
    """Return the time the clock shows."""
2:38
